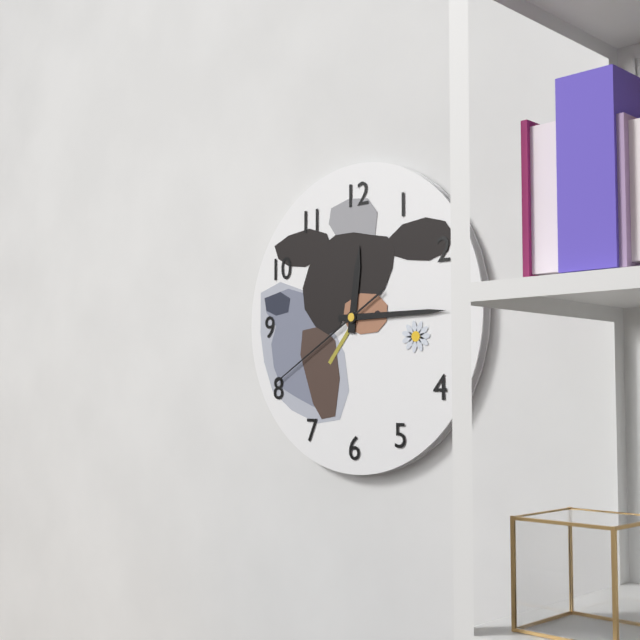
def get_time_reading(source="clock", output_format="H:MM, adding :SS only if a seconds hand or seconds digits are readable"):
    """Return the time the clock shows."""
12:15:40
